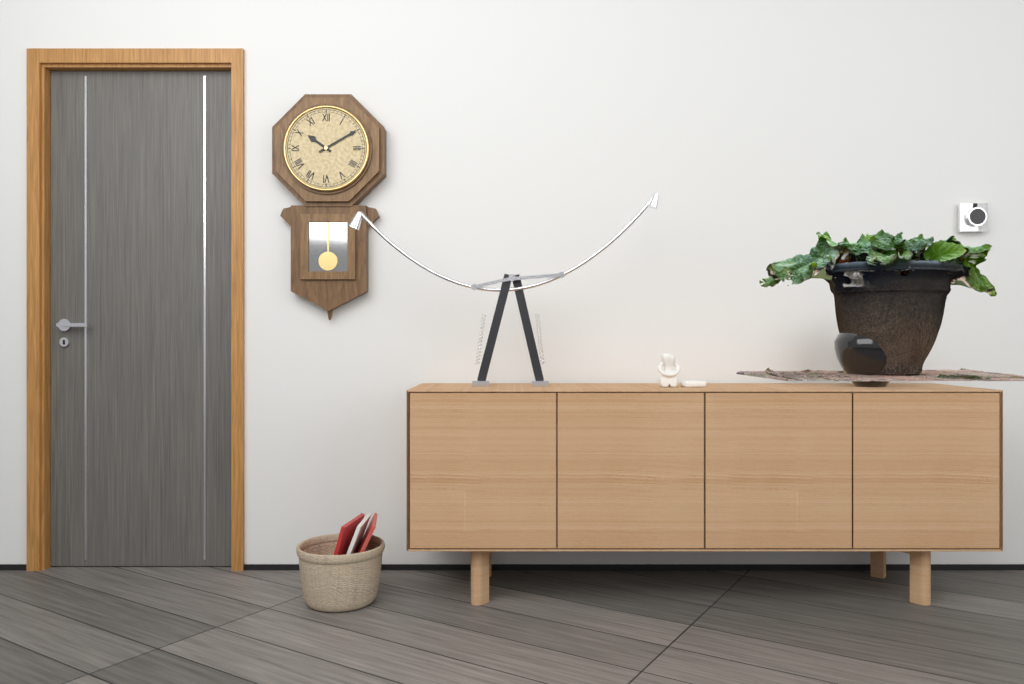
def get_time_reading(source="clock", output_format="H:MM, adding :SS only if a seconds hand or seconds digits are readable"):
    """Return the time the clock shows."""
10:10
